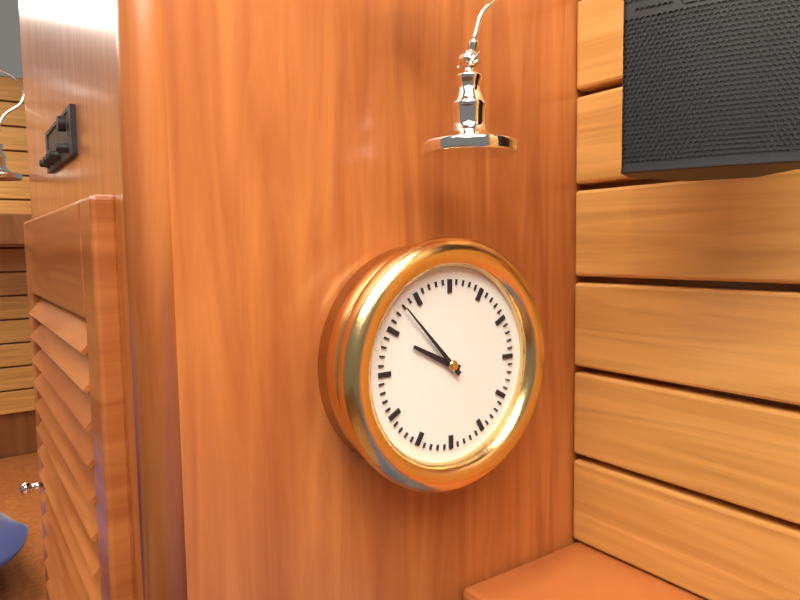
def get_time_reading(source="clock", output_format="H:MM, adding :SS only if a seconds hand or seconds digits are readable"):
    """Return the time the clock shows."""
9:53
